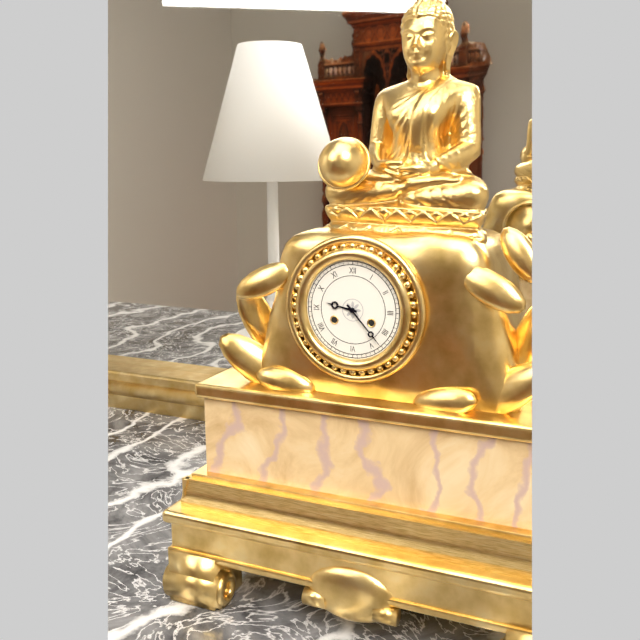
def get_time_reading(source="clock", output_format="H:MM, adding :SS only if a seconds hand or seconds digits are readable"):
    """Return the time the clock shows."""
9:23
